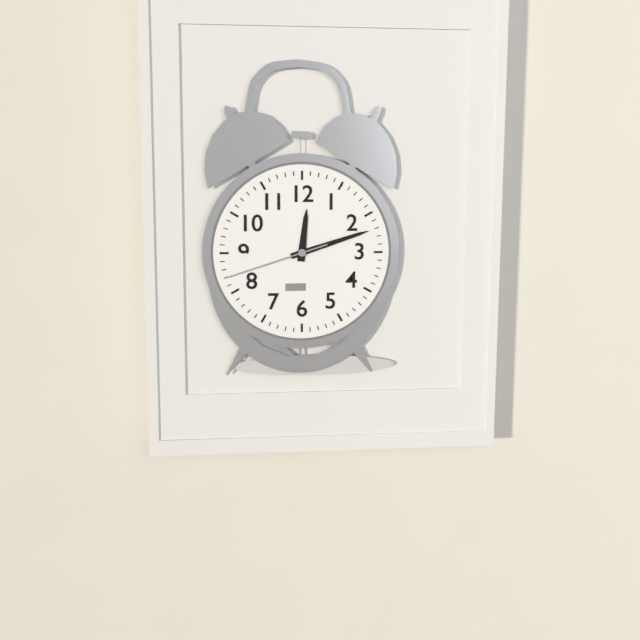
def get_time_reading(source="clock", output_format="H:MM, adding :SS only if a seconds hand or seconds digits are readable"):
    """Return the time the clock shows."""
12:12:42
